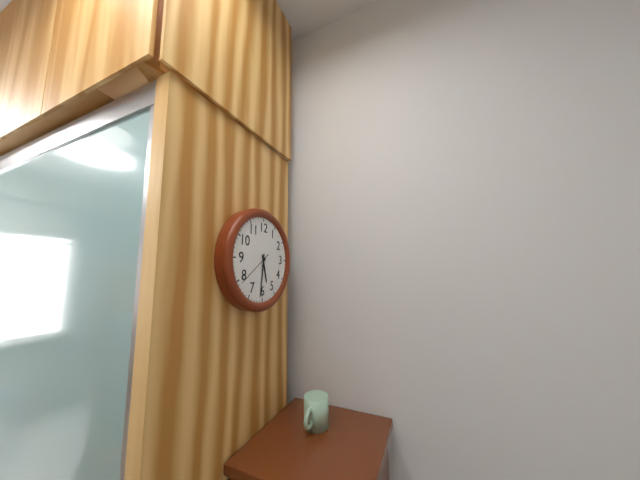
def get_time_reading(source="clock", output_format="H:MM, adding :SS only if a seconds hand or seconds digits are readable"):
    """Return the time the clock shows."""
5:31
